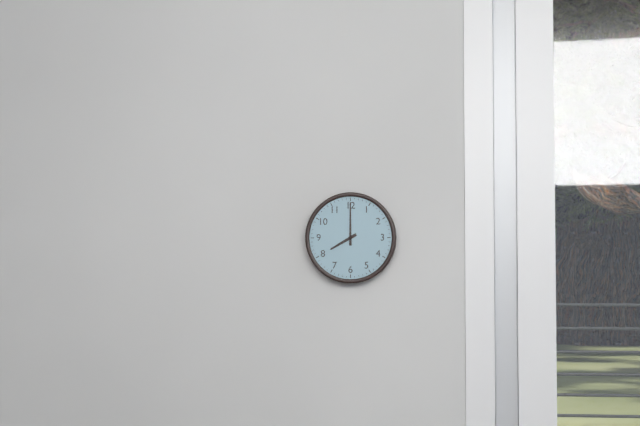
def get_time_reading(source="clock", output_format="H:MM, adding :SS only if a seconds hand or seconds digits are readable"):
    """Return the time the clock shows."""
8:00
